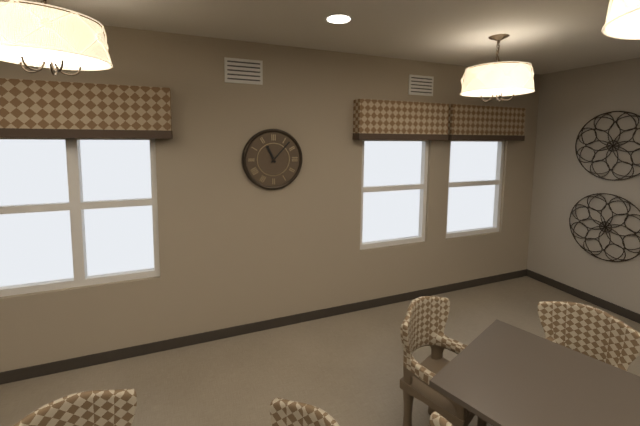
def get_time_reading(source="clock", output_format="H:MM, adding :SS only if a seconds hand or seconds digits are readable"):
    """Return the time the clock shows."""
11:07
